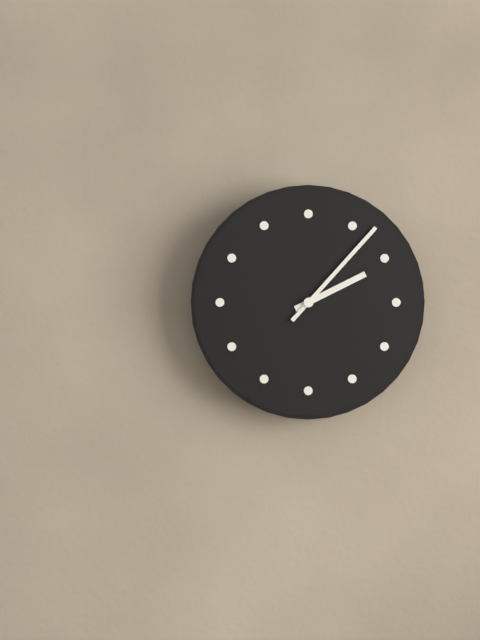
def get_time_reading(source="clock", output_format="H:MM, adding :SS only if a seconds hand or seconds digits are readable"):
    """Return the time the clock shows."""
2:07
